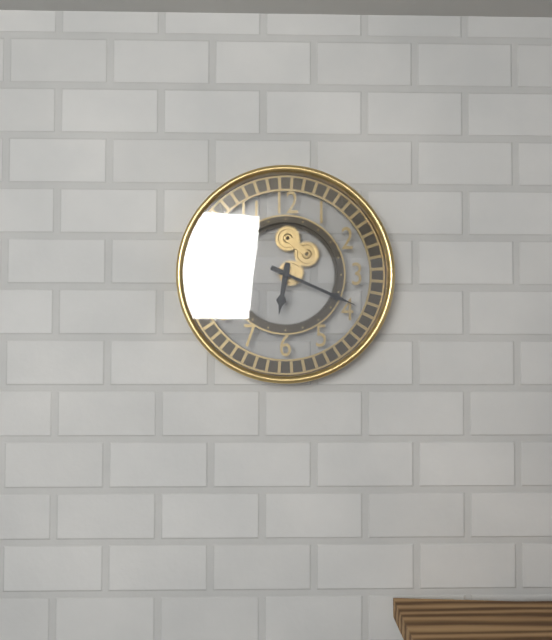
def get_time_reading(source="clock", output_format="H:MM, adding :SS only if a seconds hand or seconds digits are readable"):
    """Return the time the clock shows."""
6:19
